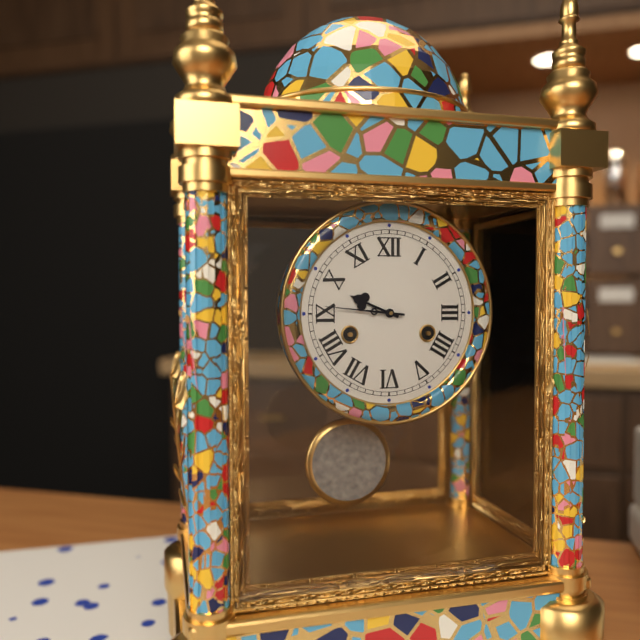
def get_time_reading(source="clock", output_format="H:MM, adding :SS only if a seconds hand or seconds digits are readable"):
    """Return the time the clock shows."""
9:46
